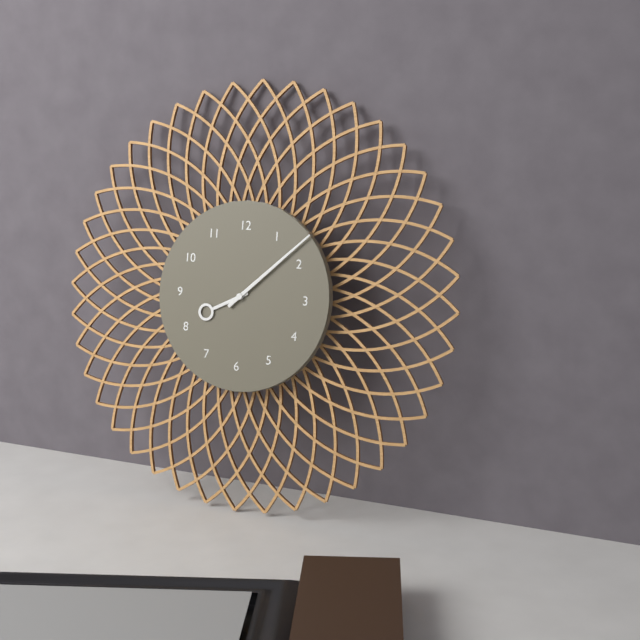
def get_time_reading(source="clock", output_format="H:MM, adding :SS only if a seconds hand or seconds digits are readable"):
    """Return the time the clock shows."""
8:08
